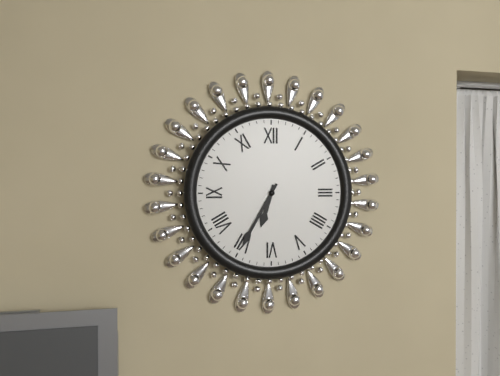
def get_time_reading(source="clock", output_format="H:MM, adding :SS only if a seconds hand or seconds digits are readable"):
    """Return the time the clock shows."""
6:35
